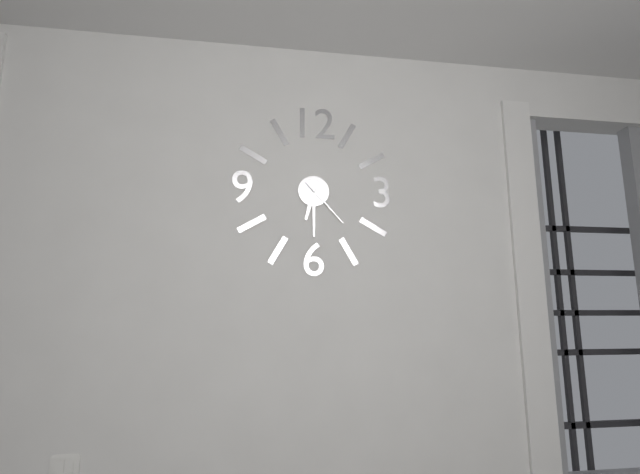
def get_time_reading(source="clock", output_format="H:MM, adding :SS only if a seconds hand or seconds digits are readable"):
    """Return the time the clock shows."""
6:30:23
